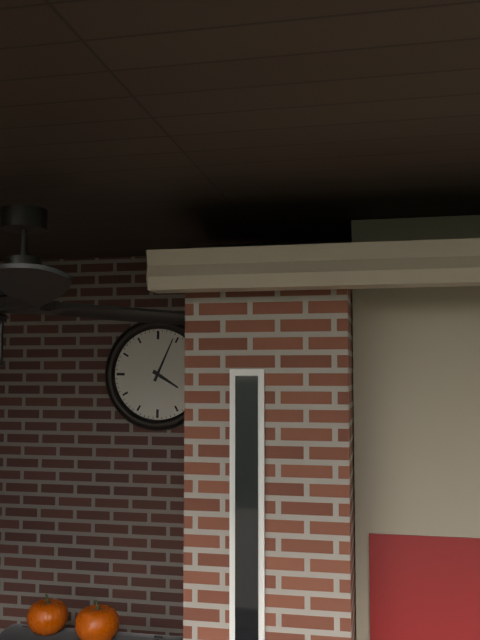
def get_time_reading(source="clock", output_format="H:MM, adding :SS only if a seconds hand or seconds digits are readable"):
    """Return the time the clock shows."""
4:04
